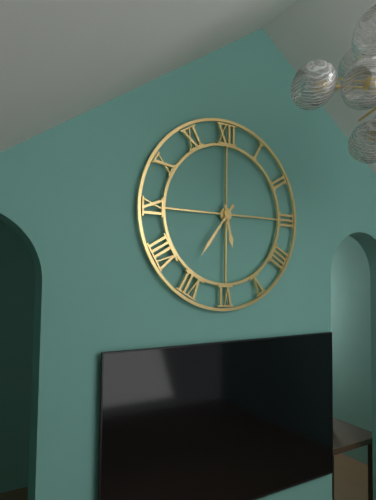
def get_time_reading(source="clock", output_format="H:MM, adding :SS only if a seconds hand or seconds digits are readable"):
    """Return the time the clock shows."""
5:36
